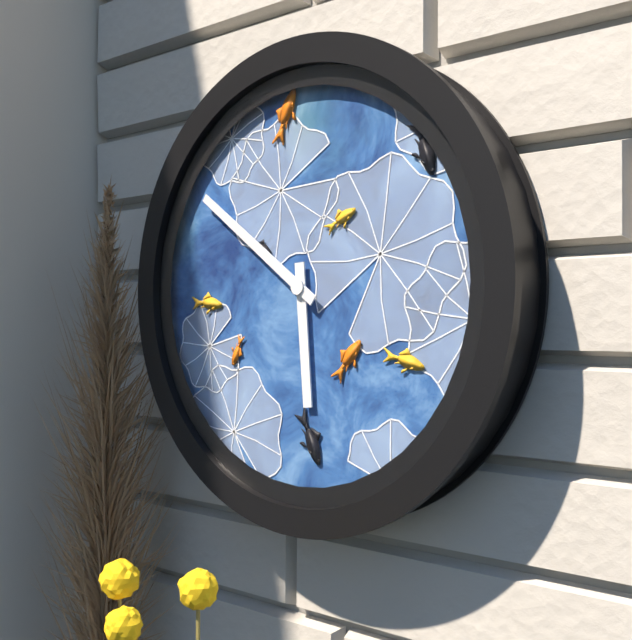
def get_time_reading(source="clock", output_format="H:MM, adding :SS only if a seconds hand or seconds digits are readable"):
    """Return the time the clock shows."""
5:51
